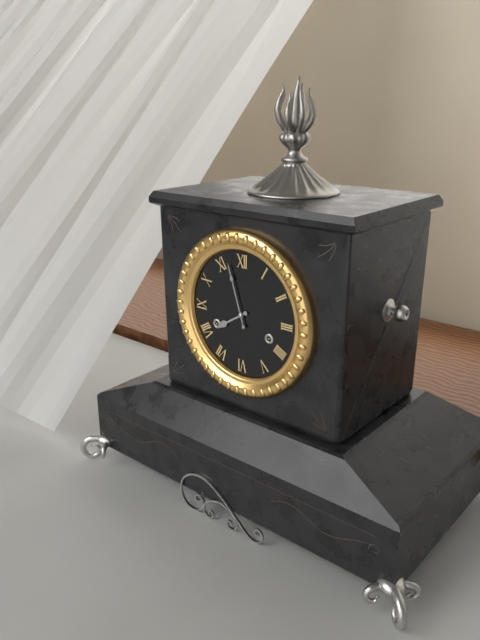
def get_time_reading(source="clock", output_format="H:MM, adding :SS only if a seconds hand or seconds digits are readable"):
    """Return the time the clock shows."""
7:57
